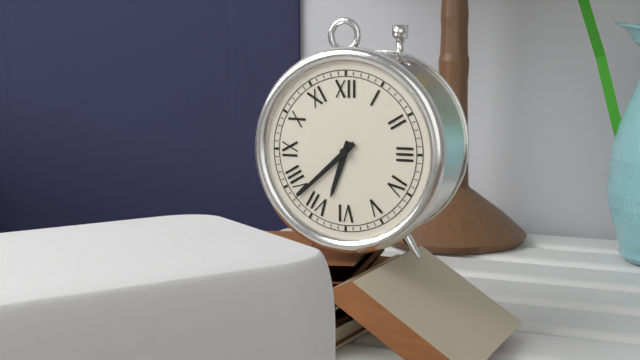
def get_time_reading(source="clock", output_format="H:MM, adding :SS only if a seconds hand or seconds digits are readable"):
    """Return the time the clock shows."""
6:38
